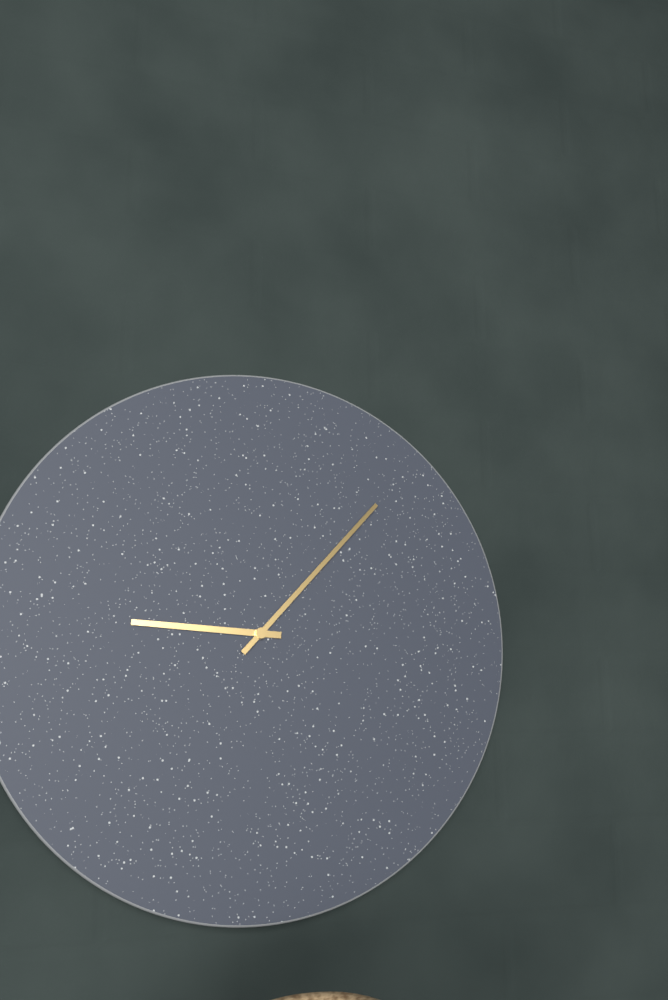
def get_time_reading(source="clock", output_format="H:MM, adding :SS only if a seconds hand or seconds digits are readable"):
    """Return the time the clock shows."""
9:07
